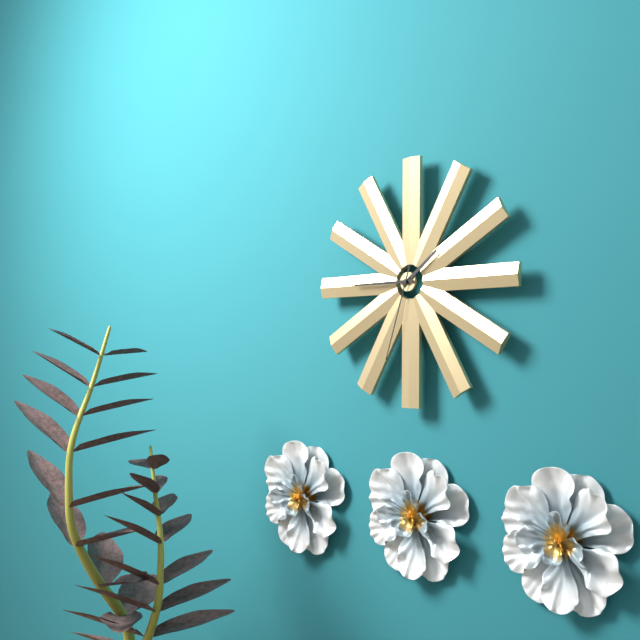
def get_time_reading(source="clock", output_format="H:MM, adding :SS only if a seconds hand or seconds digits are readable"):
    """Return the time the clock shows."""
1:45:33
